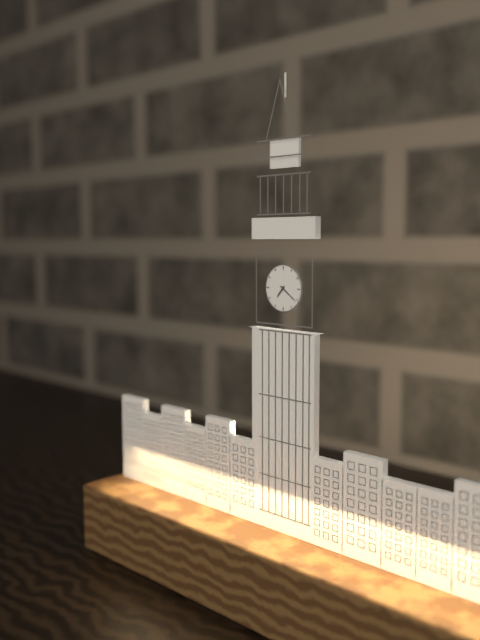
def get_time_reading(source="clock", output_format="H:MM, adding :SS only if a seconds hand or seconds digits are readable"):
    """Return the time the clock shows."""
7:21
